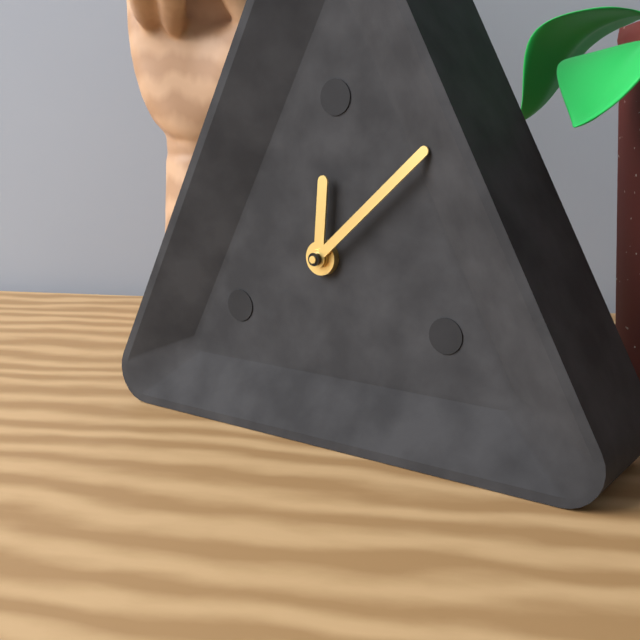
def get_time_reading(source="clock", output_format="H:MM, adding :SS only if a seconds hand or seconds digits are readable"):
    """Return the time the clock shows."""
12:08
